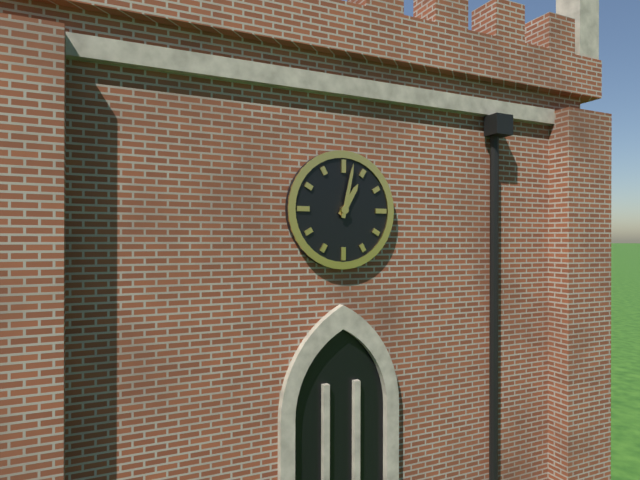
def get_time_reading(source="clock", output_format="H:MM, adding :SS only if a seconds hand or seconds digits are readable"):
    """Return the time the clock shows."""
1:02
